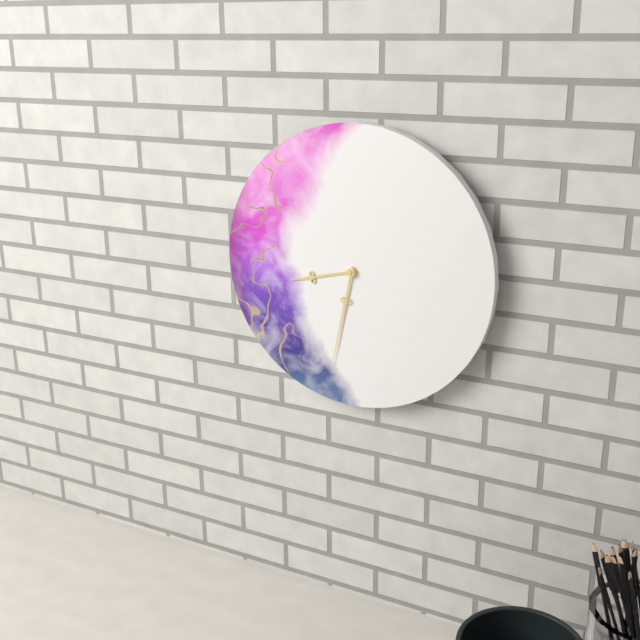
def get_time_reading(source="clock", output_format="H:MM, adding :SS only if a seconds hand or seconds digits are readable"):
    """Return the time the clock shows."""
8:32
